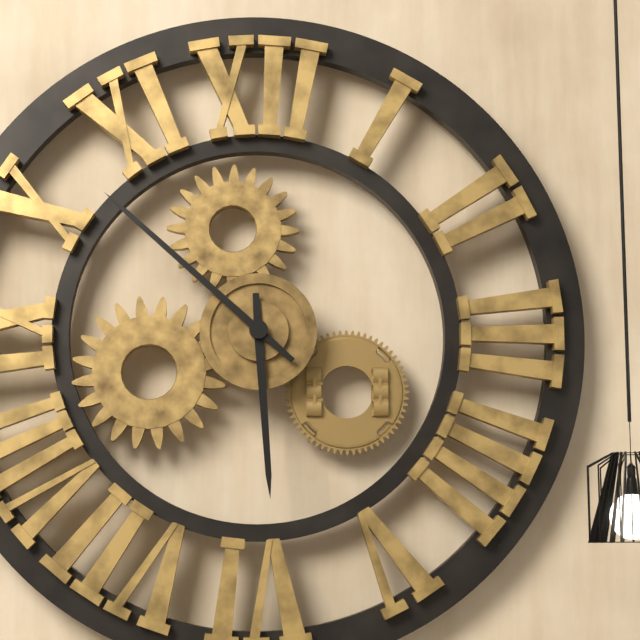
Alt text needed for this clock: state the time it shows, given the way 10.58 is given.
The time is 5.52
